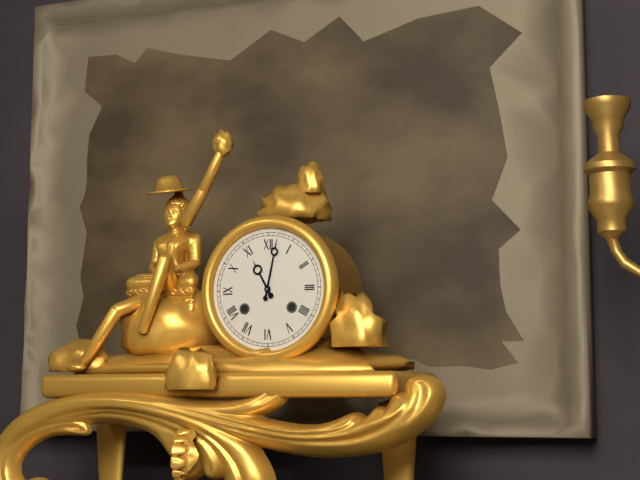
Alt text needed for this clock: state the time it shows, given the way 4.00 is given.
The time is 11.02
